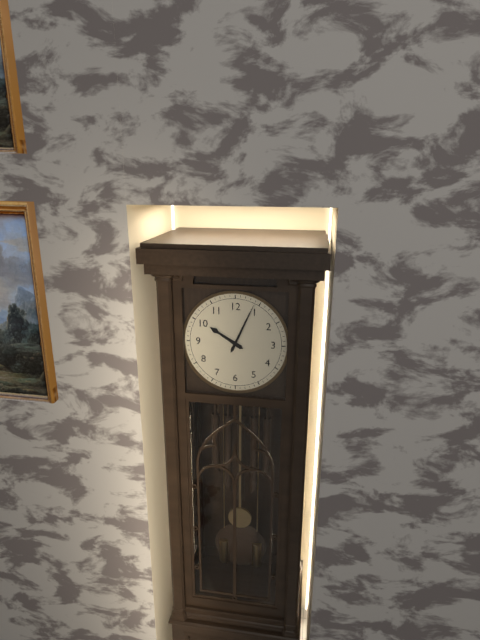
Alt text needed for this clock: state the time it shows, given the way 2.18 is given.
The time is 10.04
